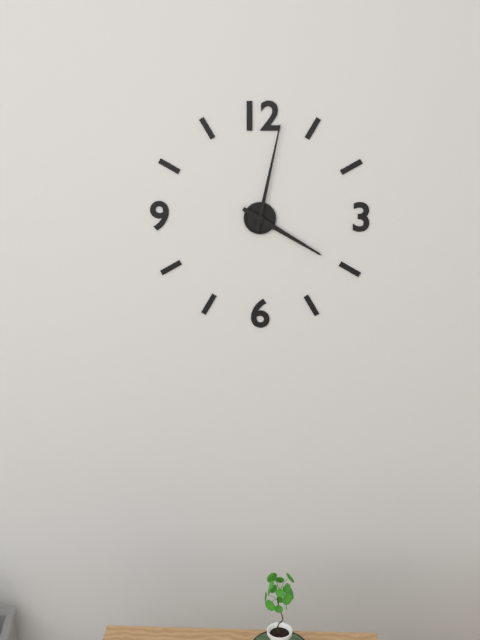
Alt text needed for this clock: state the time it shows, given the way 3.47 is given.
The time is 4.02
